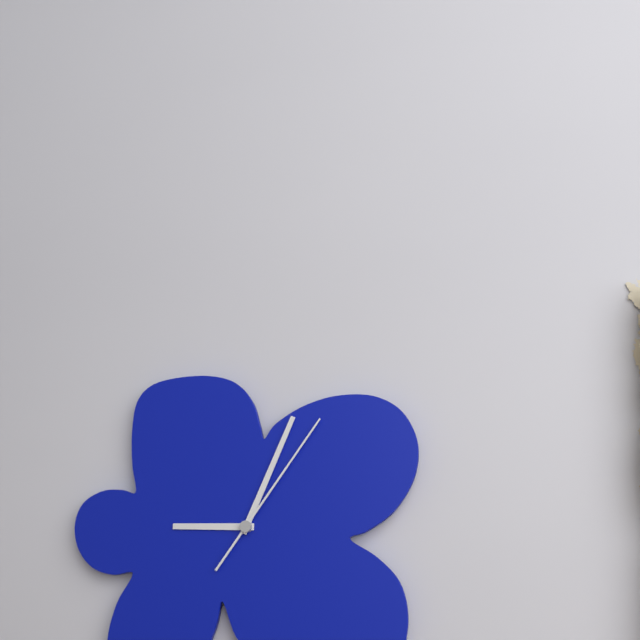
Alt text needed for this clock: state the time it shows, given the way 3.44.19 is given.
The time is 9.04.06
